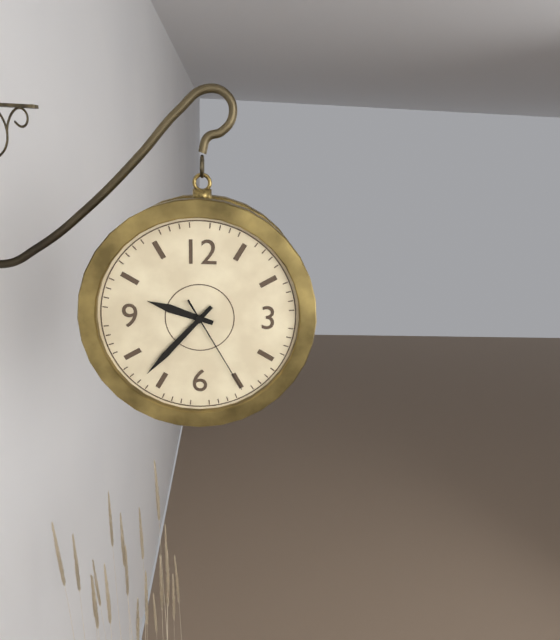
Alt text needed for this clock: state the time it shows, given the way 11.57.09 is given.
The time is 9.37.25
